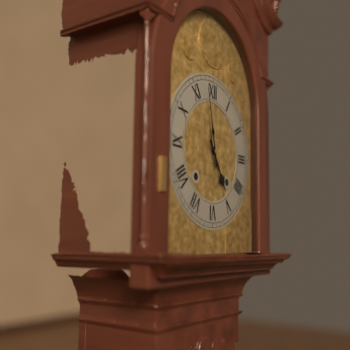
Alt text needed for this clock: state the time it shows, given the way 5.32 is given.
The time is 4.58
